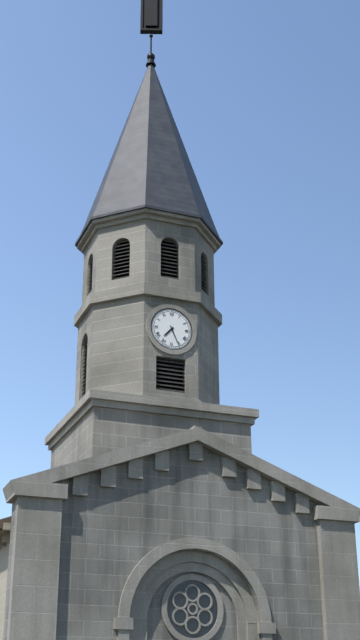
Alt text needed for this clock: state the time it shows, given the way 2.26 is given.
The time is 7.26
